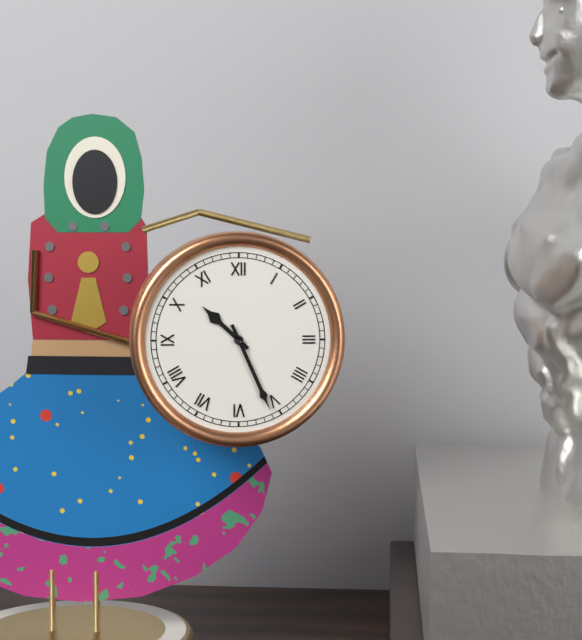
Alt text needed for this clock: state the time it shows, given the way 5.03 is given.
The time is 10.26
